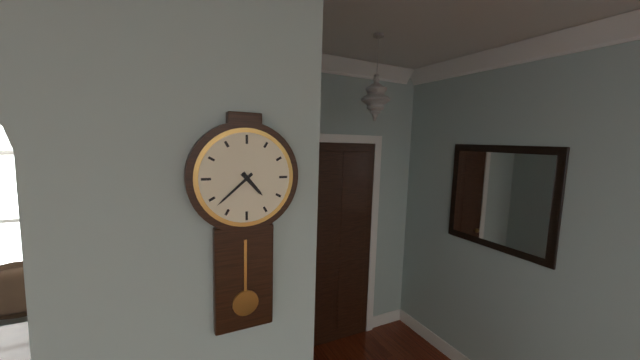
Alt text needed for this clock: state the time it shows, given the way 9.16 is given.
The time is 4.38
